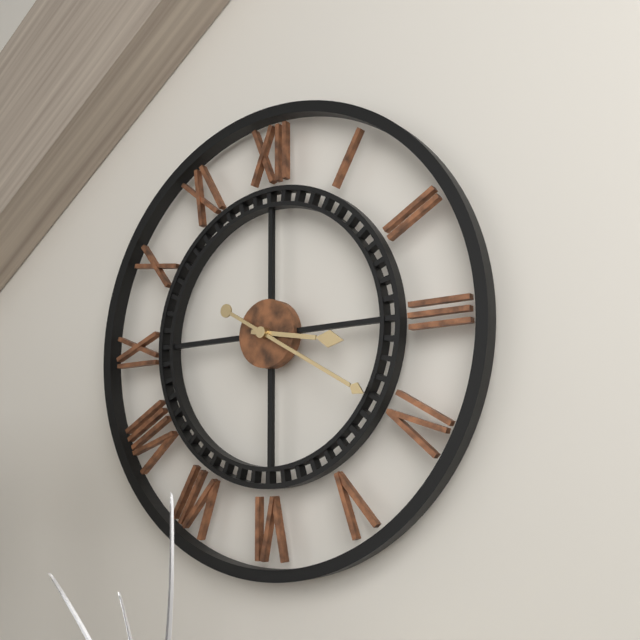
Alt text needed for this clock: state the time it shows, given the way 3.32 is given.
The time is 3.20
